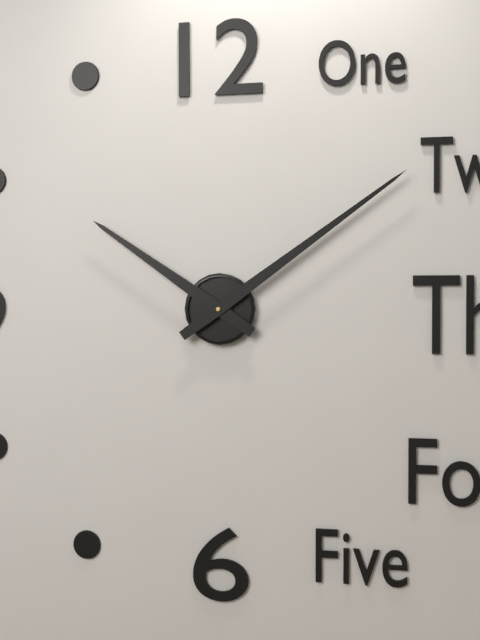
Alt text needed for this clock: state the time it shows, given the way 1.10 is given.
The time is 10.09
